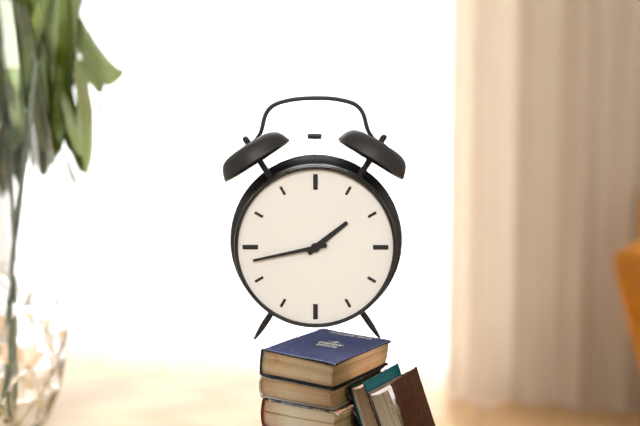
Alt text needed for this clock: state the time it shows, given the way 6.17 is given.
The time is 1.43
